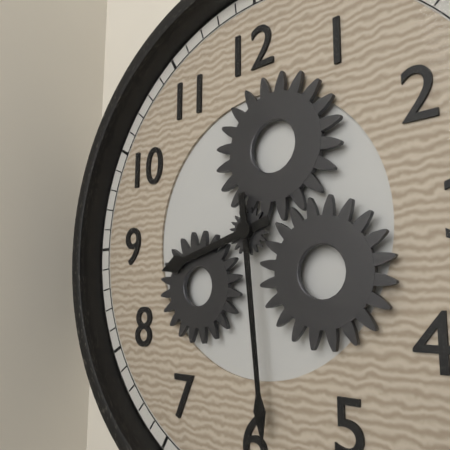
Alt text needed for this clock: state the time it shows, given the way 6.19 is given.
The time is 8.29
